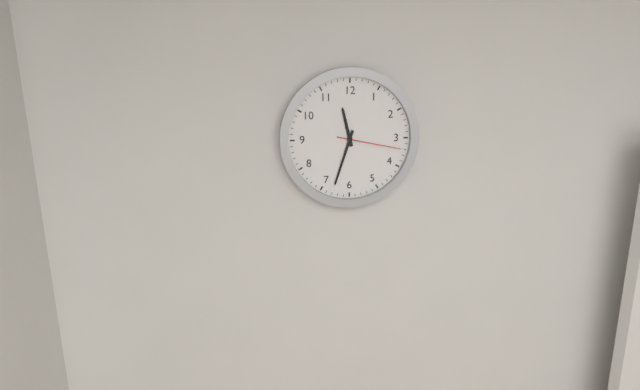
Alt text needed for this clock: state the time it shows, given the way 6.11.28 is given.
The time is 11.33.17
